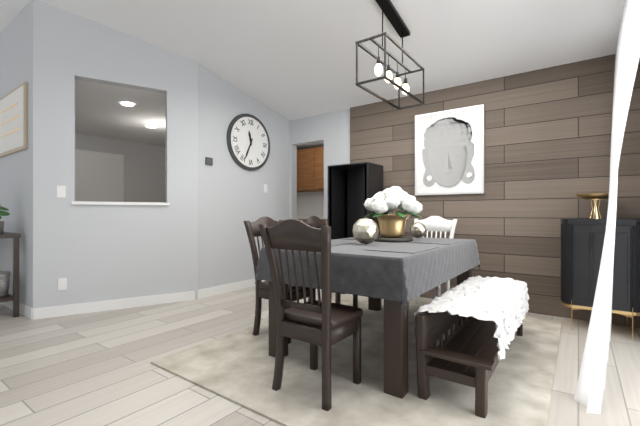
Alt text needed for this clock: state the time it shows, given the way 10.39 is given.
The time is 11.34
